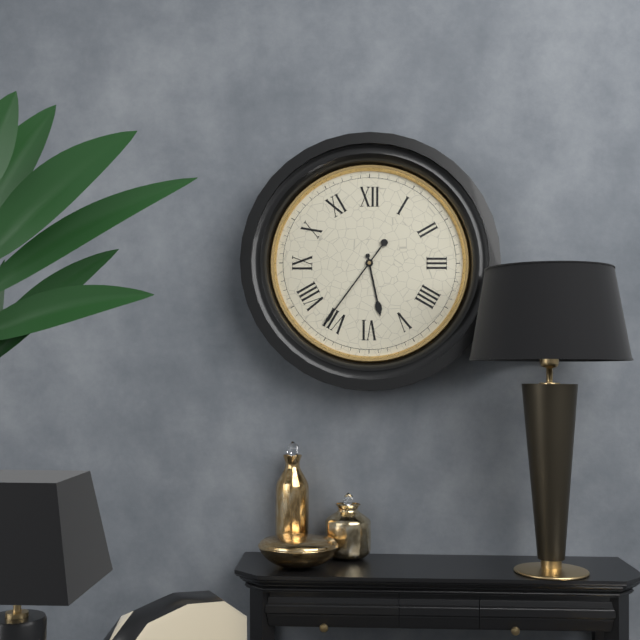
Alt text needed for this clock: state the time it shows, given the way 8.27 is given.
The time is 5.36
